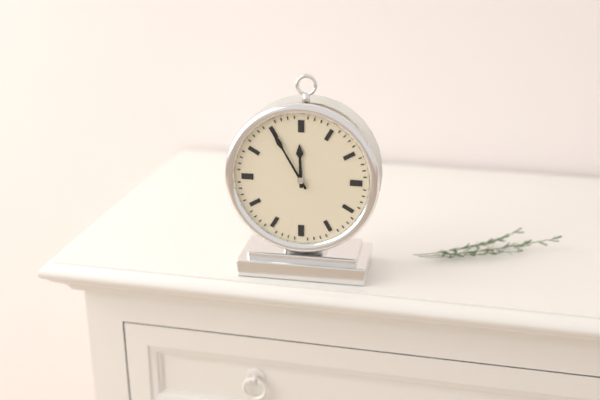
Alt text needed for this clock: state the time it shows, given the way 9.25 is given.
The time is 11.55
